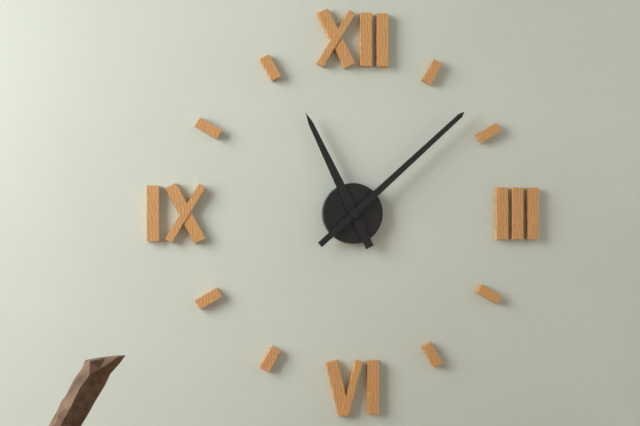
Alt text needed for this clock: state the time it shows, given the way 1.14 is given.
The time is 11.08
